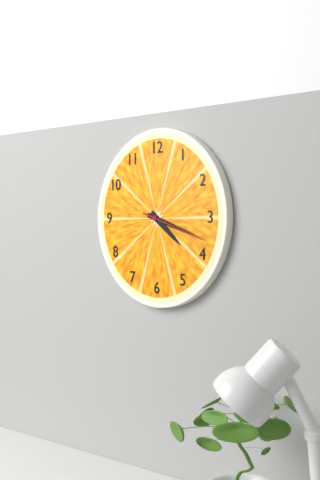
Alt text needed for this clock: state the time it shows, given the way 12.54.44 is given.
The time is 4.18.18
